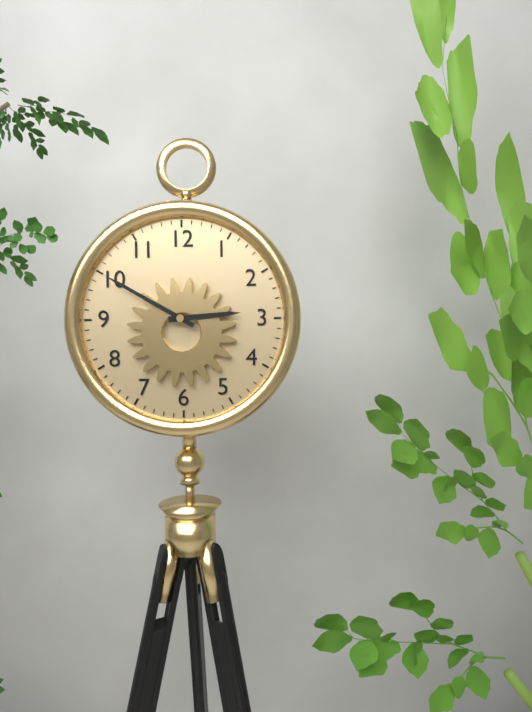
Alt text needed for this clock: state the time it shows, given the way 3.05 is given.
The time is 2.50
